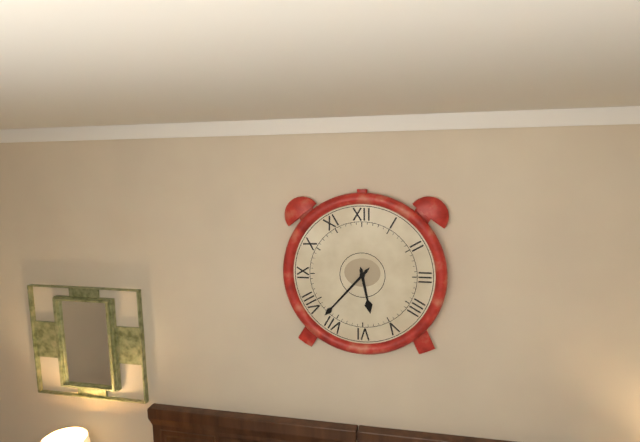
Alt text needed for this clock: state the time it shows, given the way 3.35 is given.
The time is 5.37
